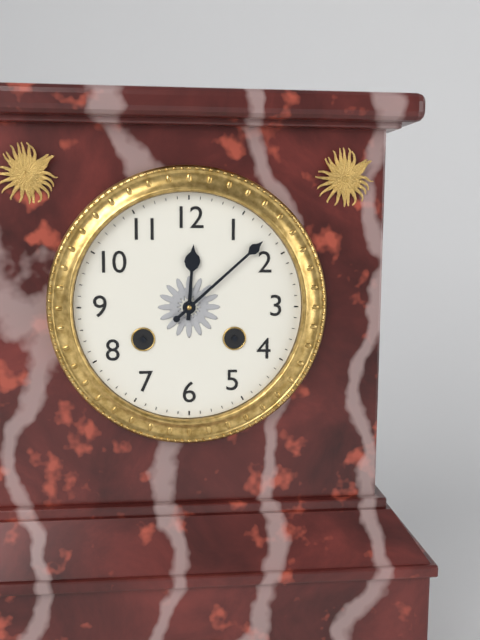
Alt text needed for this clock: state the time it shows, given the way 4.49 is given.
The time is 12.08
